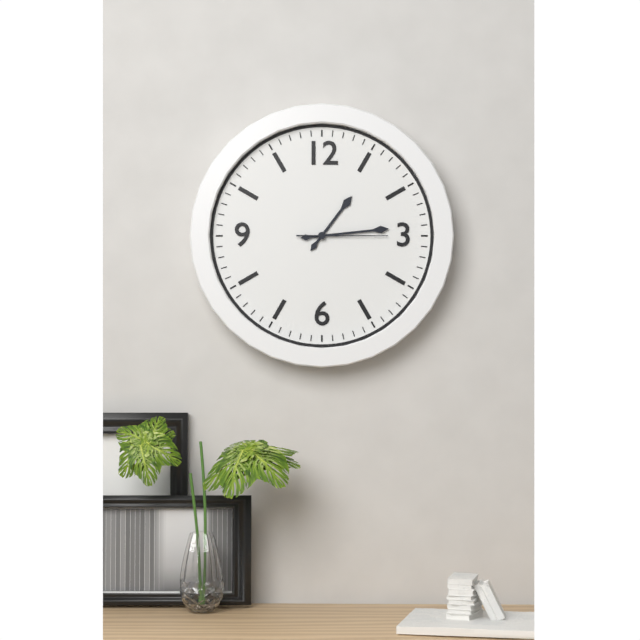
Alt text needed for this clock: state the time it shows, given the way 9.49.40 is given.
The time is 1.14.15
